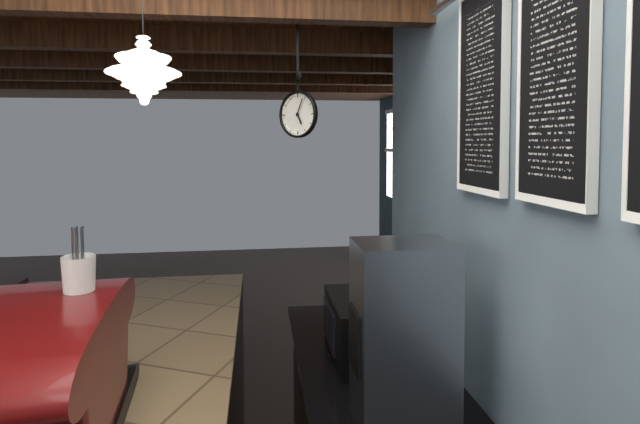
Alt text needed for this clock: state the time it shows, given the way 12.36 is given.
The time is 5.04
